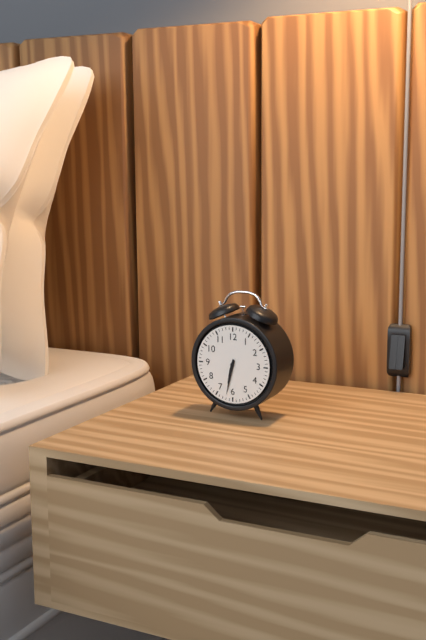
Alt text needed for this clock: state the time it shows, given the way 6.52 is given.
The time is 6.32
